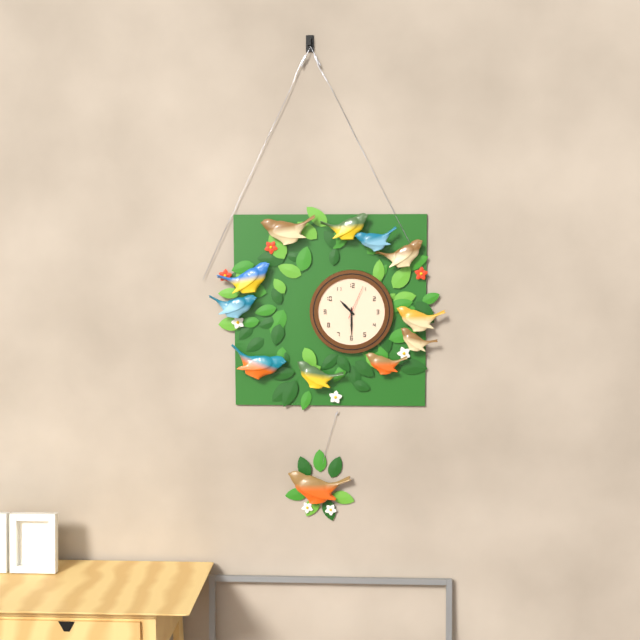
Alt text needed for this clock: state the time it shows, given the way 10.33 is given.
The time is 10.30
